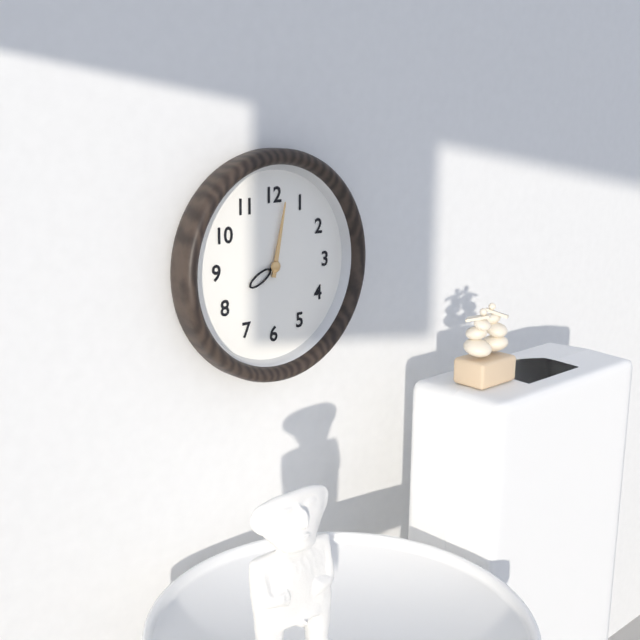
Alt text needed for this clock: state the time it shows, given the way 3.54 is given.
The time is 8.02
